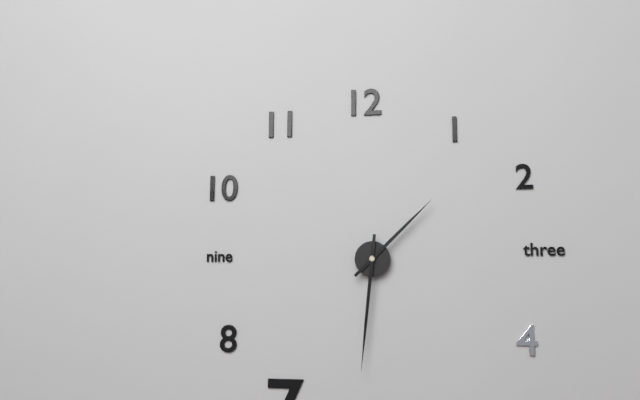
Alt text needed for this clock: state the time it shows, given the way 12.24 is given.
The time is 1.31
